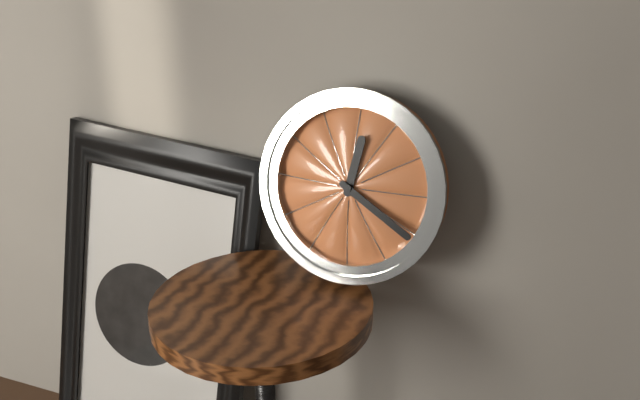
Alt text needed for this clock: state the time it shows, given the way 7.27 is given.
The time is 12.20
